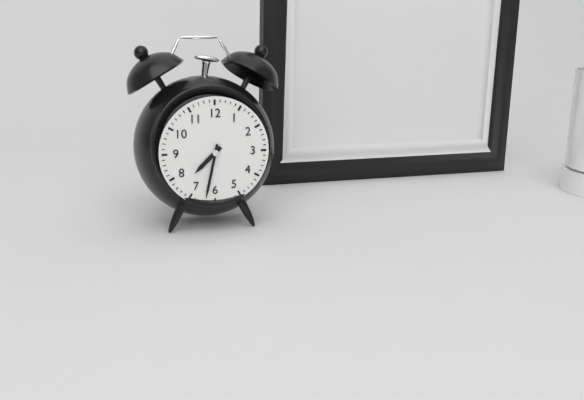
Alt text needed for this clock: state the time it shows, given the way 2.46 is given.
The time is 7.32
